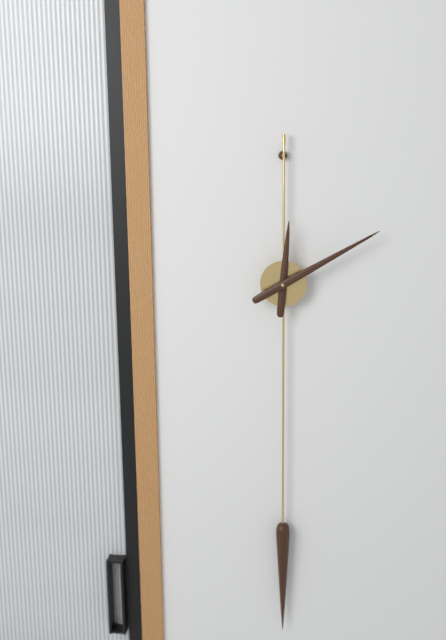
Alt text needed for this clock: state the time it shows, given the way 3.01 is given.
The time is 12.10
